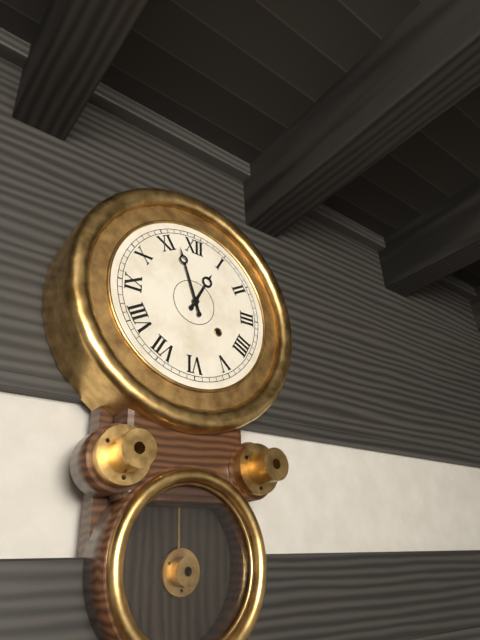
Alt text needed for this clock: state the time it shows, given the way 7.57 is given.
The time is 12.57
